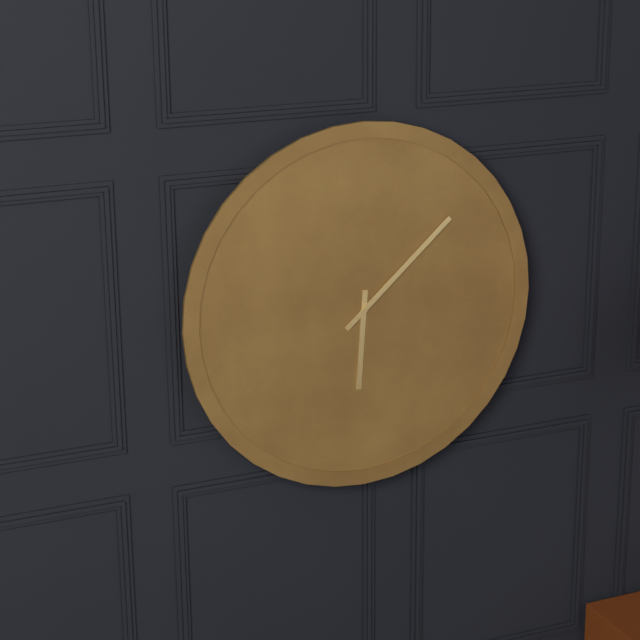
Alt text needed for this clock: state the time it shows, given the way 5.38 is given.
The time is 6.08
